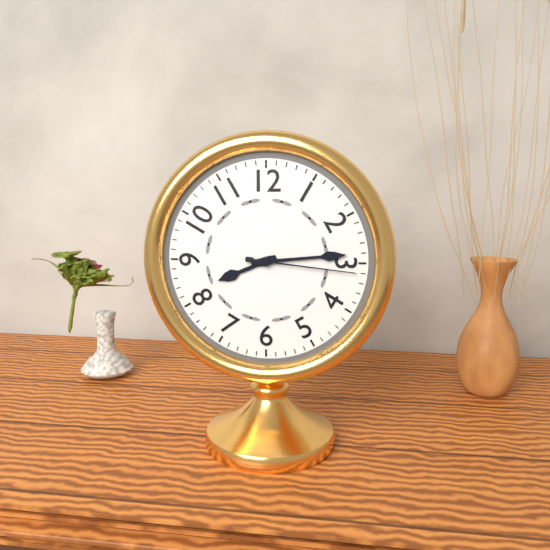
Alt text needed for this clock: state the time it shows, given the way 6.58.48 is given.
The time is 8.14.16
